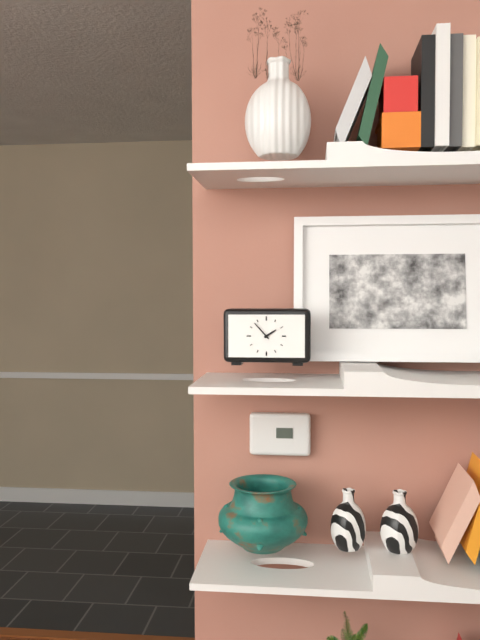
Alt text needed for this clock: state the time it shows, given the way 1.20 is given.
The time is 1.53
